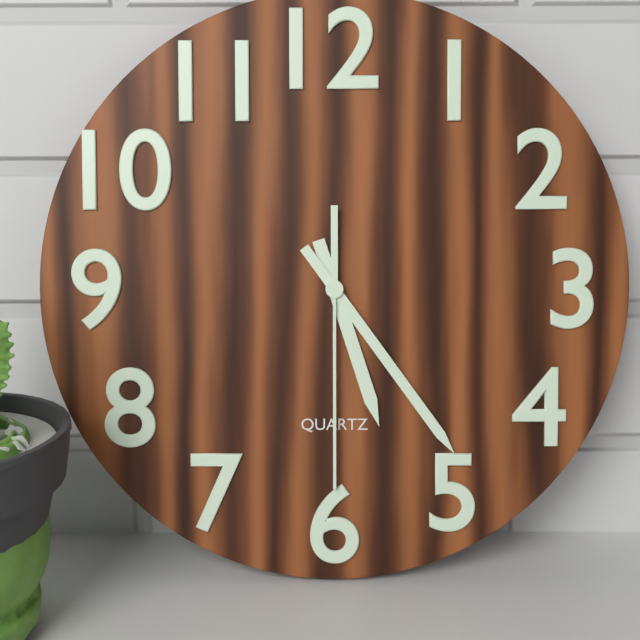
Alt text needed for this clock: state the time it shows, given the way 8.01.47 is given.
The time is 5.24.30
